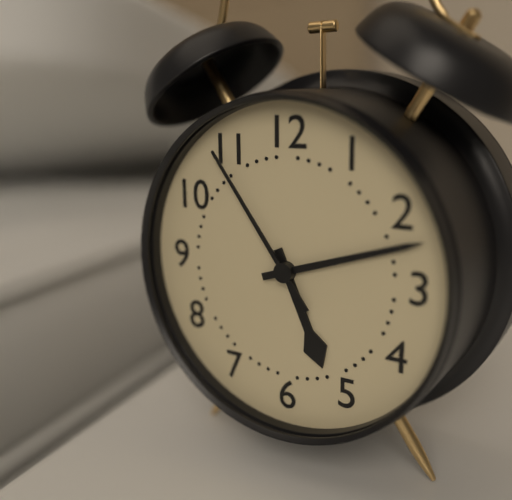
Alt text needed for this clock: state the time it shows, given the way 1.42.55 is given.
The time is 5.12.54
